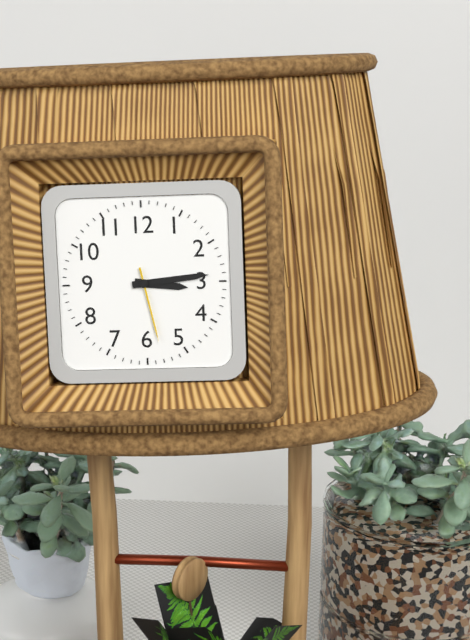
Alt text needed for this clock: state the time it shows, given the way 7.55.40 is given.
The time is 3.14.28
